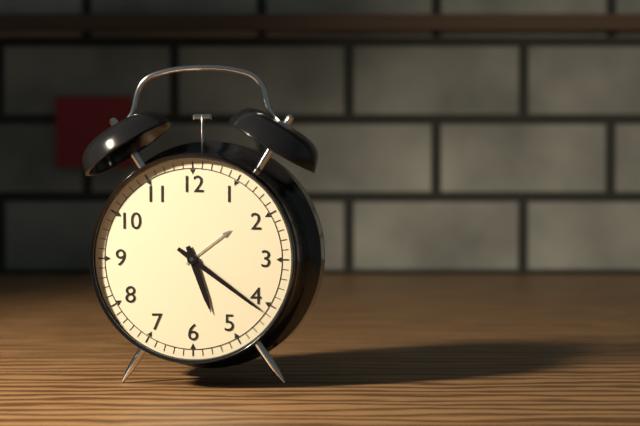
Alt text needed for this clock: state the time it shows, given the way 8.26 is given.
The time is 5.21
